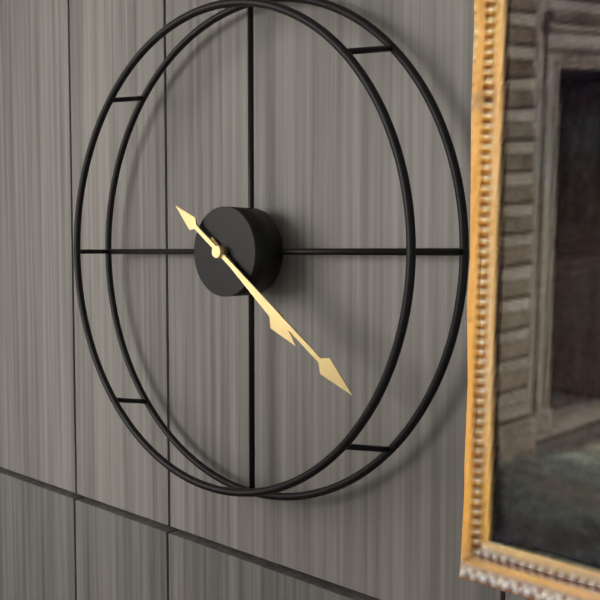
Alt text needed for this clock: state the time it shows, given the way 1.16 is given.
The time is 4.21
